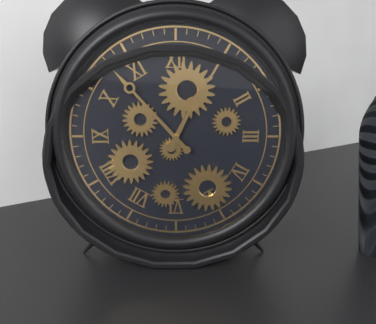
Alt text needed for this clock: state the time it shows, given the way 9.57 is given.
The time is 12.53
